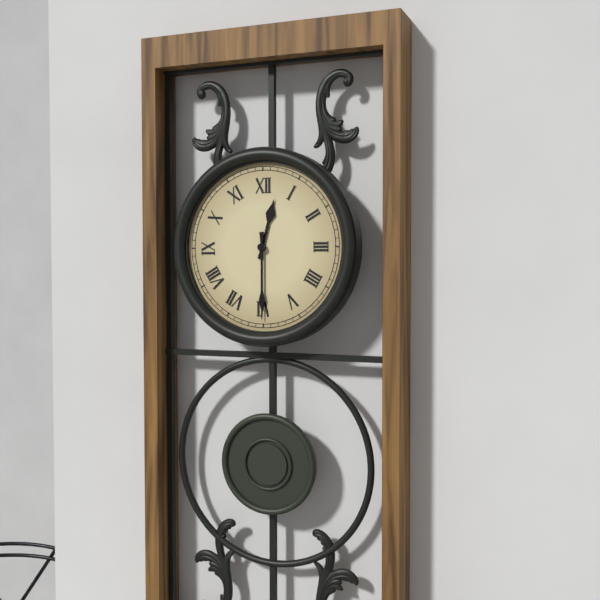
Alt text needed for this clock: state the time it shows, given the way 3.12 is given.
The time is 12.30
